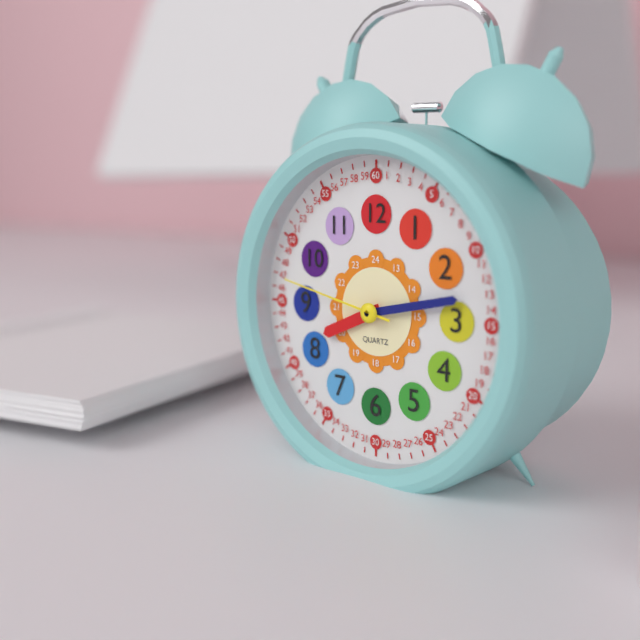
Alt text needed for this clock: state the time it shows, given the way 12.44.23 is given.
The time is 8.13.47
